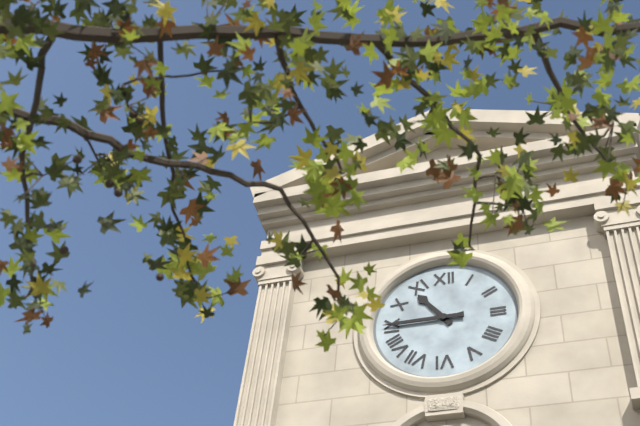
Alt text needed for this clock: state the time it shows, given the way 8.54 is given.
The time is 10.45
